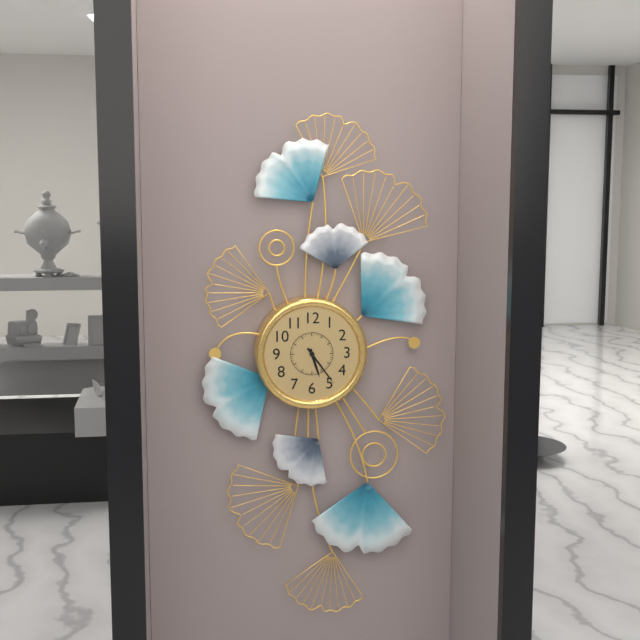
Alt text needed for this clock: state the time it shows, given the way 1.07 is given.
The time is 5.24
